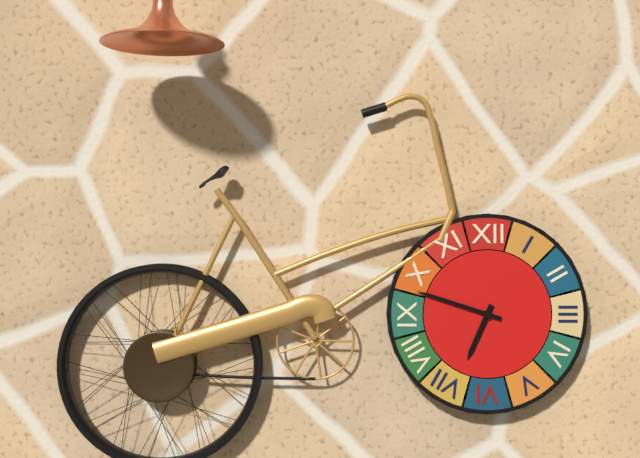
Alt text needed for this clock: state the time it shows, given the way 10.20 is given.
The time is 6.48
